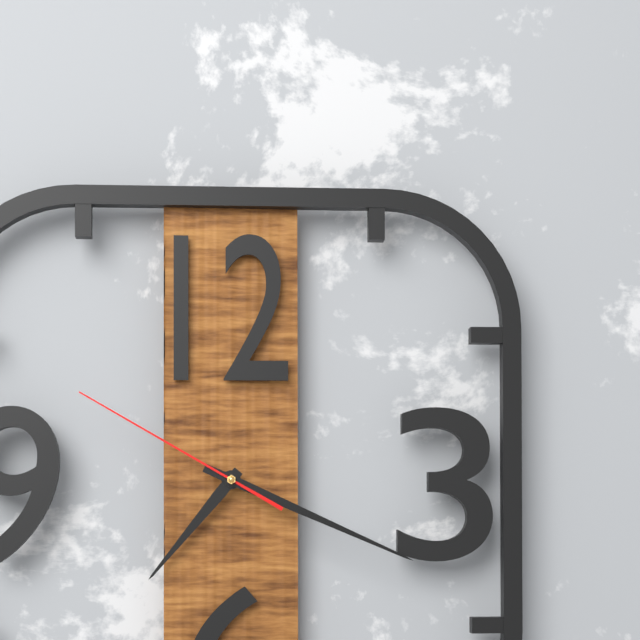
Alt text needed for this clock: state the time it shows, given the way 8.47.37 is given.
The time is 7.19.50
